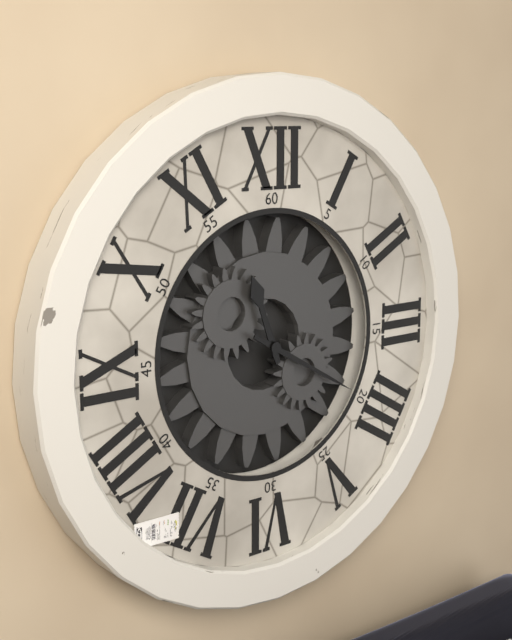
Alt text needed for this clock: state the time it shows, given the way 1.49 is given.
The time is 11.20
